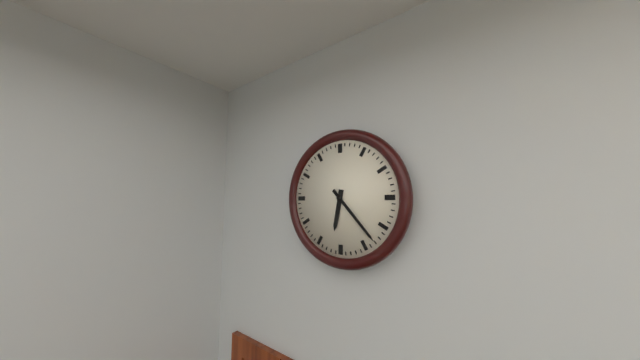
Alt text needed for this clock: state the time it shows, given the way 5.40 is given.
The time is 6.23
